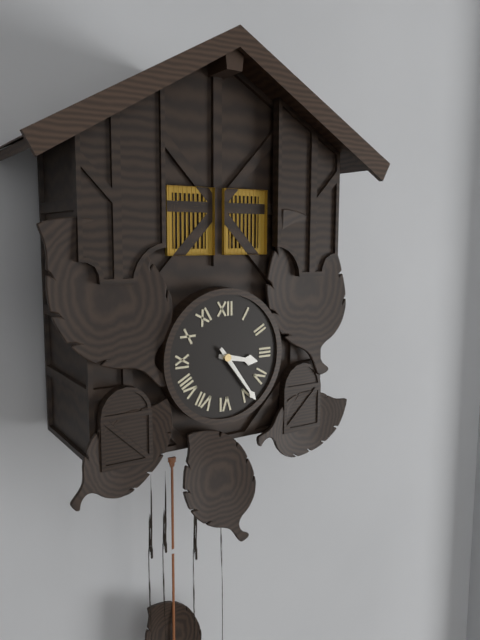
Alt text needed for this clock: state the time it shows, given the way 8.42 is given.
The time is 3.24
